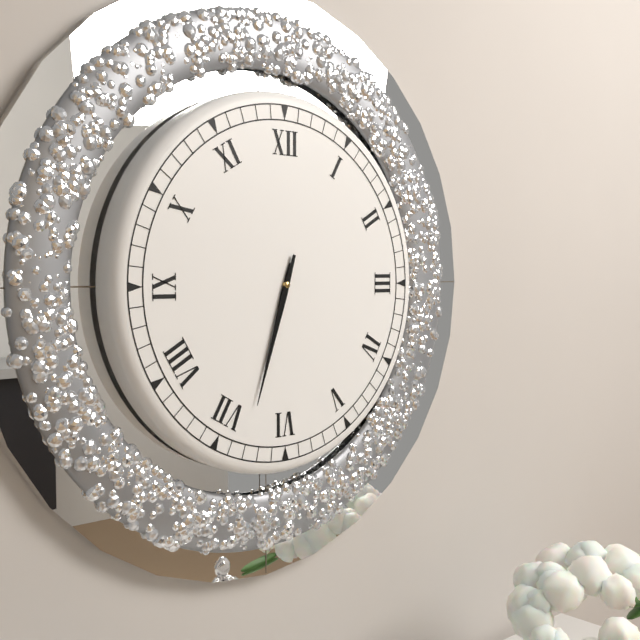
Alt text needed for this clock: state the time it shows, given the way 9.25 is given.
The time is 6.33
